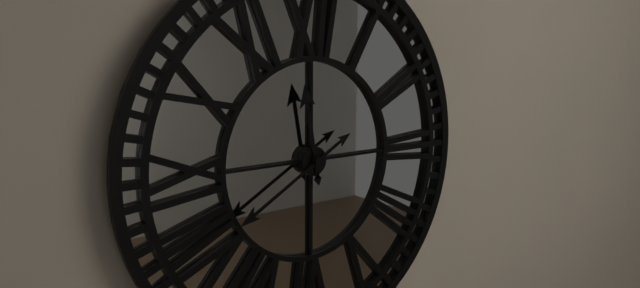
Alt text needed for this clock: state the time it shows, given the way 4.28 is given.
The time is 11.40
